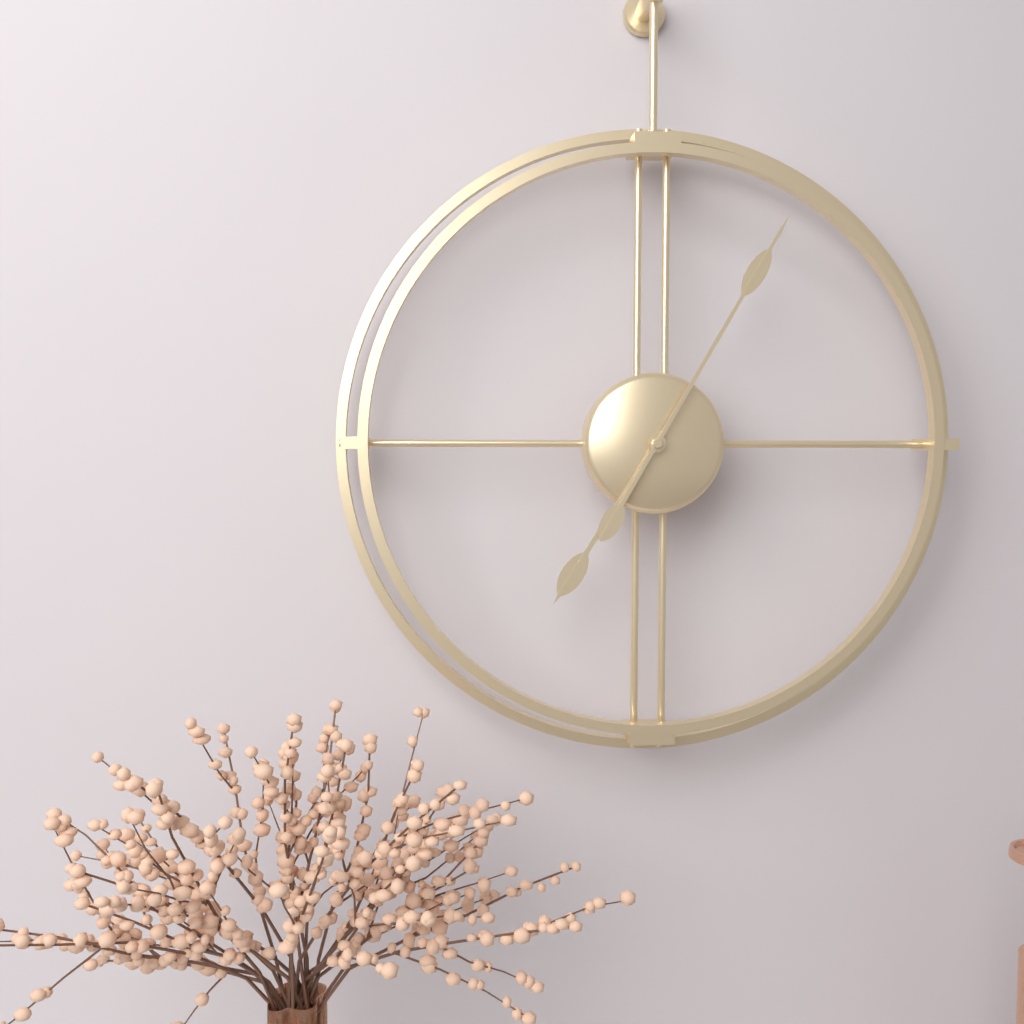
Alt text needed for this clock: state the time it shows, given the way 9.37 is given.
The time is 7.05
